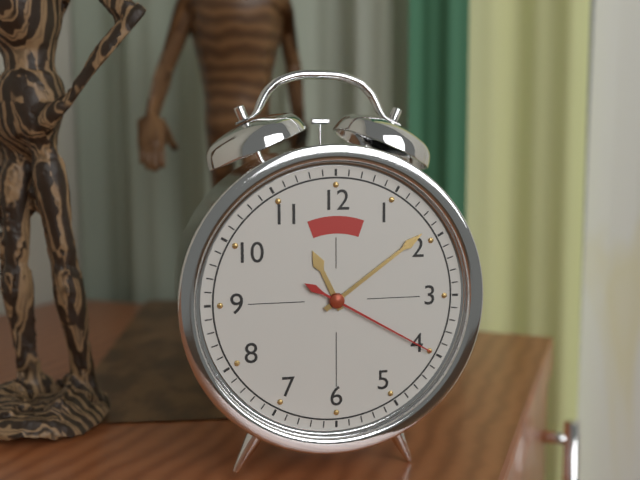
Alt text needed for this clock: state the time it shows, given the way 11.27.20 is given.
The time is 11.09.20
